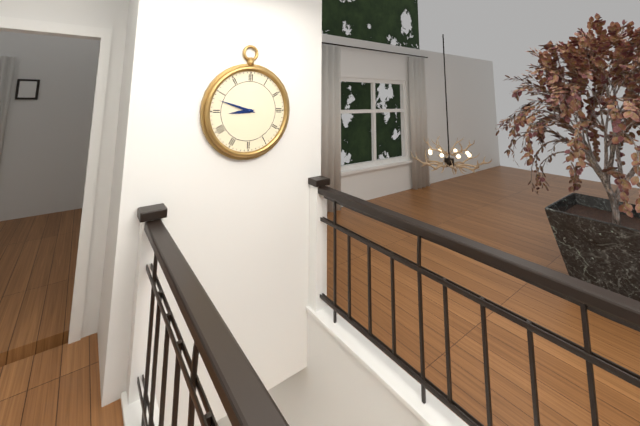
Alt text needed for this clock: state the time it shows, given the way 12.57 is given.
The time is 8.48
